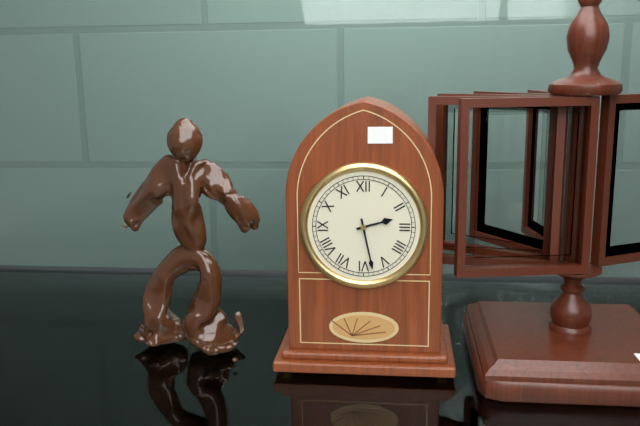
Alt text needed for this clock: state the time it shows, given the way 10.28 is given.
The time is 2.28
